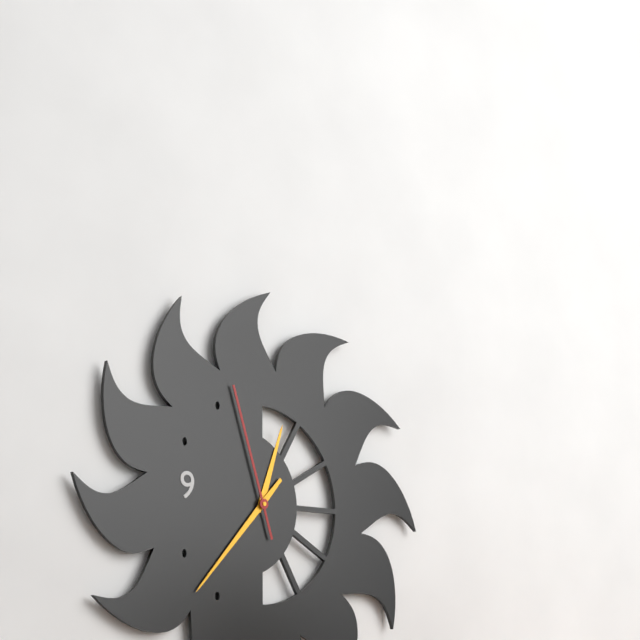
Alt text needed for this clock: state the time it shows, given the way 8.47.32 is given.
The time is 12.37.57
